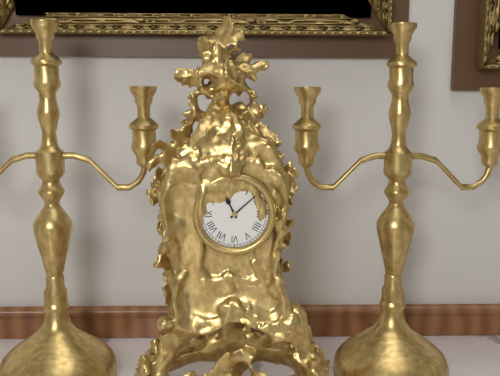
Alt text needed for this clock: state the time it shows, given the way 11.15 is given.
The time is 11.08
